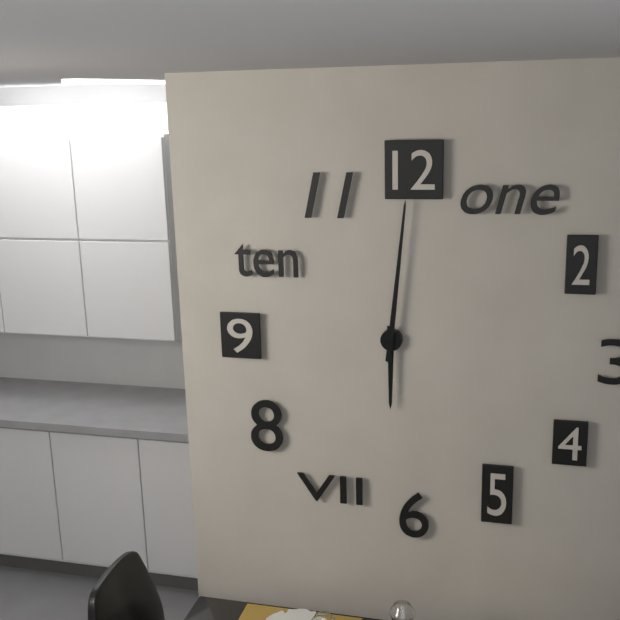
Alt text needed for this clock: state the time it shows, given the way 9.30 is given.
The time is 6.01
